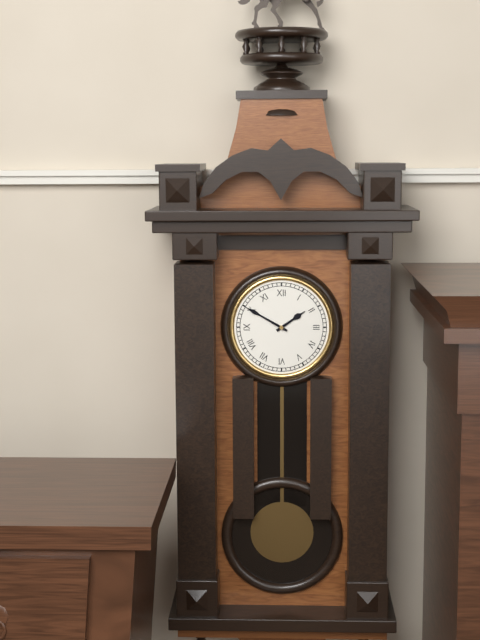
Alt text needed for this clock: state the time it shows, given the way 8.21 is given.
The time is 1.50
